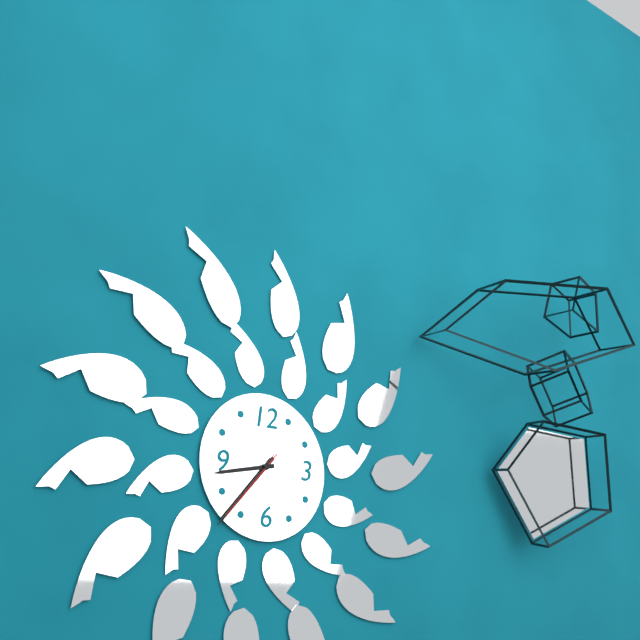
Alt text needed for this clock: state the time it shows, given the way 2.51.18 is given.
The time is 8.37.37
